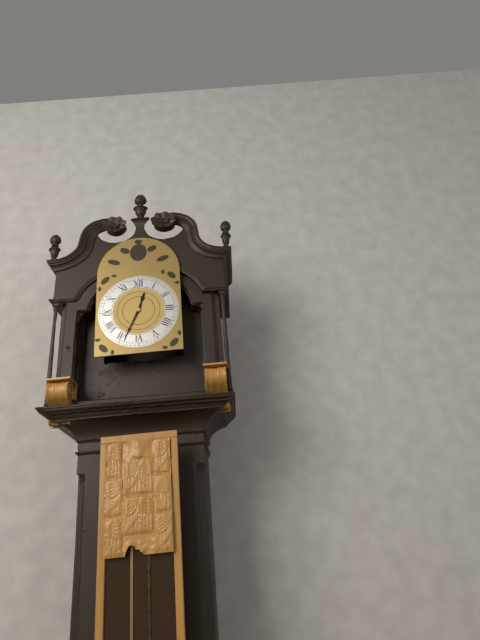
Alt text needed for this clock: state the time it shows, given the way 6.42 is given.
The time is 12.34
